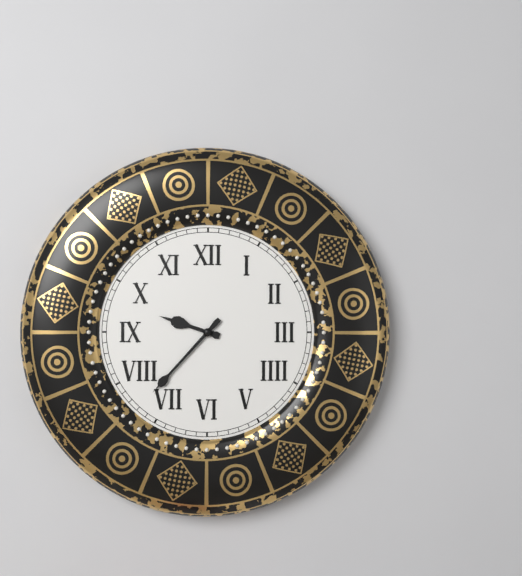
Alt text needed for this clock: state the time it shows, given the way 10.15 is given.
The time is 9.37
